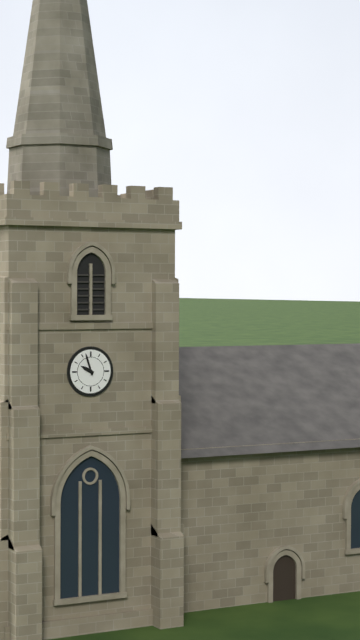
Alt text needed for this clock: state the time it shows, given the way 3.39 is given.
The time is 9.57
